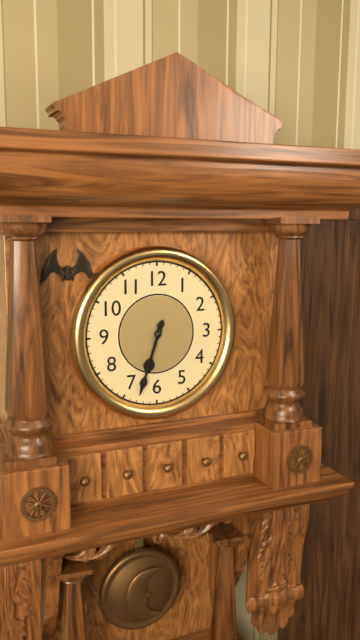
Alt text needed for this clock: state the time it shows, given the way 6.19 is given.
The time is 6.33
